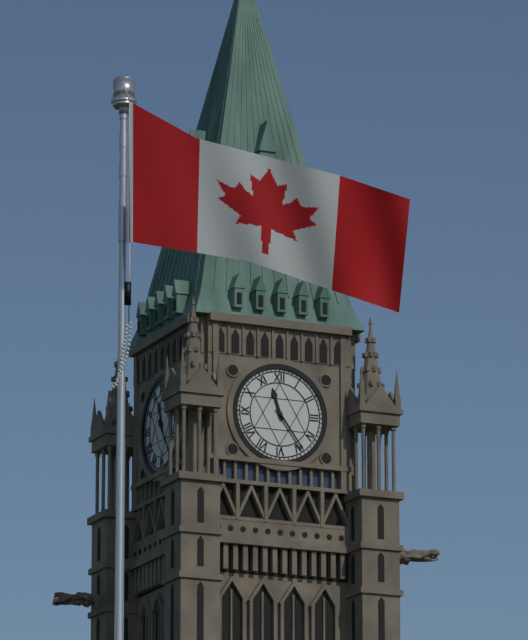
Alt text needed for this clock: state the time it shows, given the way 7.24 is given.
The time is 11.24
